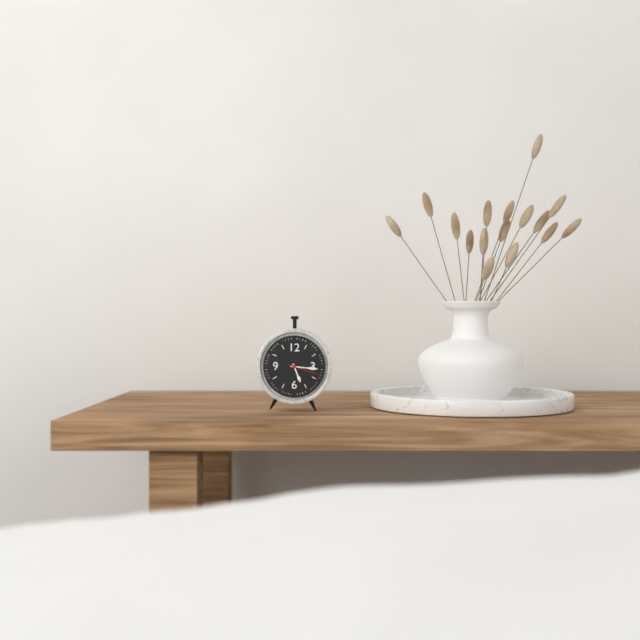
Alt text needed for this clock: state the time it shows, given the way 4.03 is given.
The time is 5.16
